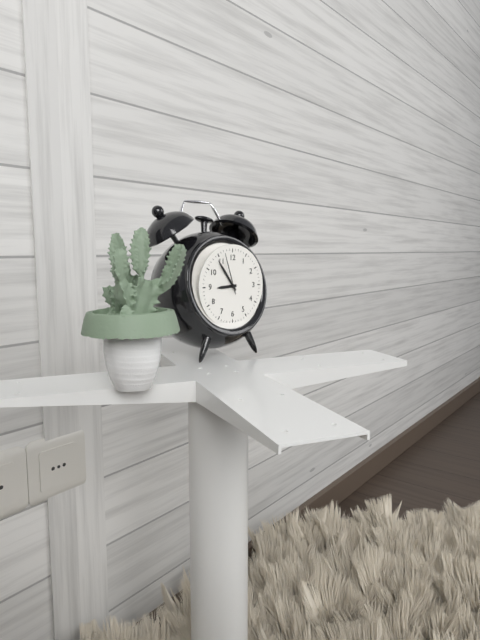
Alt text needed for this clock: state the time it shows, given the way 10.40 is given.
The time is 8.54
